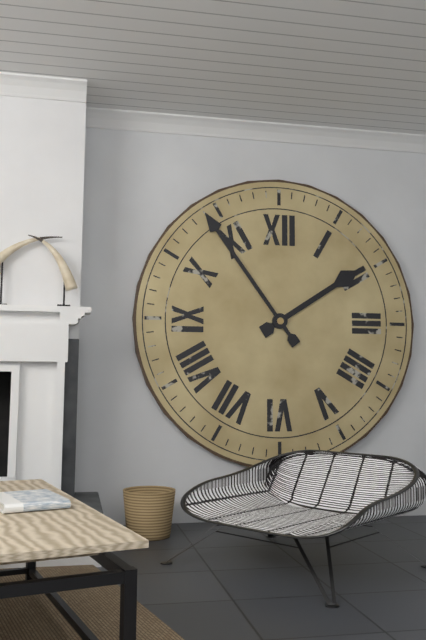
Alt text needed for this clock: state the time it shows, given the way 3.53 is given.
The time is 1.54
